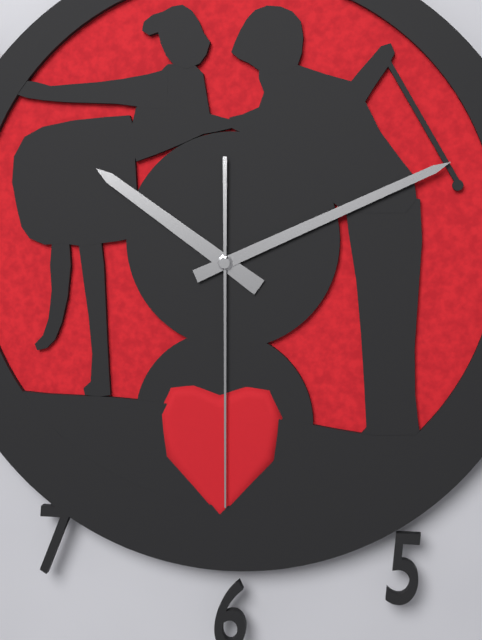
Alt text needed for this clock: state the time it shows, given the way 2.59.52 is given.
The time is 10.11.30
